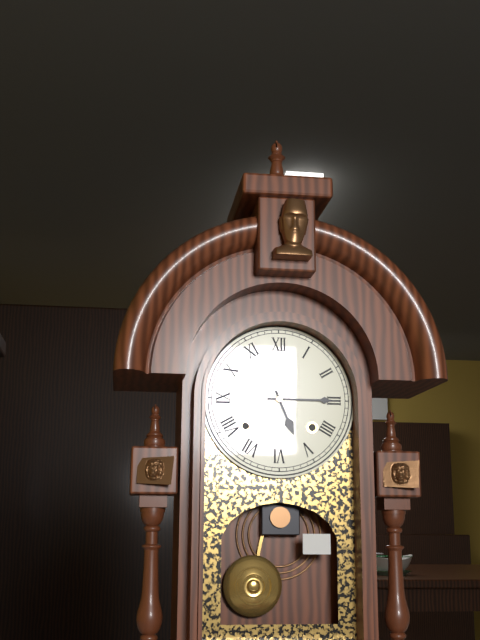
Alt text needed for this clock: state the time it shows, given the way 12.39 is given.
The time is 5.15
